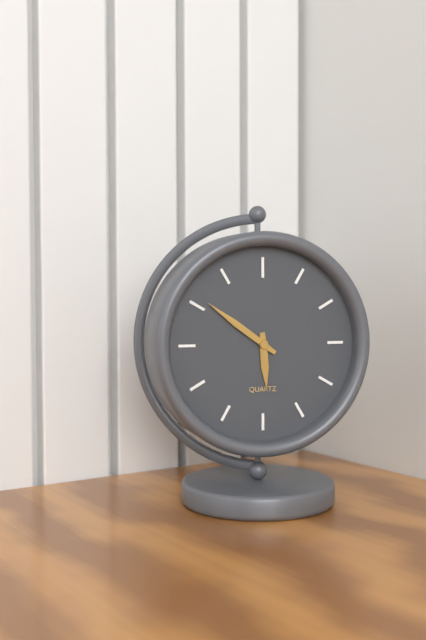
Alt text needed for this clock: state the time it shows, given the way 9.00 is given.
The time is 5.51
